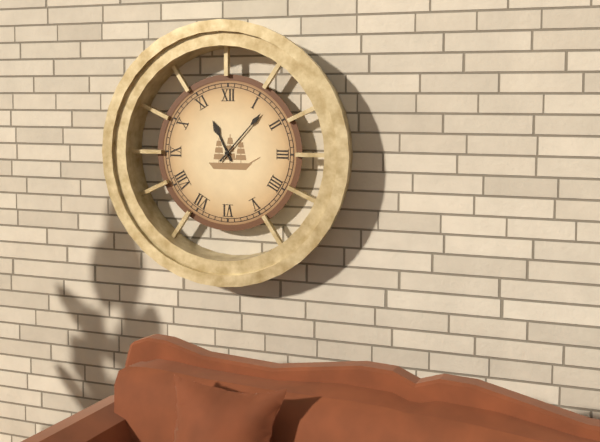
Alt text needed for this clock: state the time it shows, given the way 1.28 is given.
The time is 11.07
